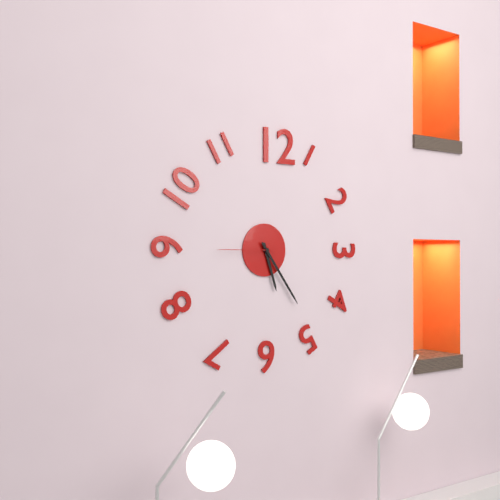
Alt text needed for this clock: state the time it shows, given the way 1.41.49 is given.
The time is 5.24.45
